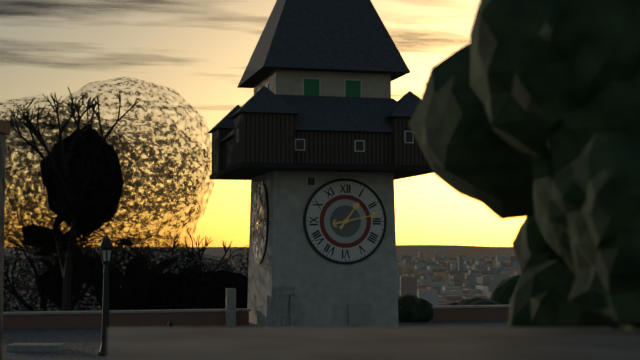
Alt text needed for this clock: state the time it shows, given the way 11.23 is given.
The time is 1.13
